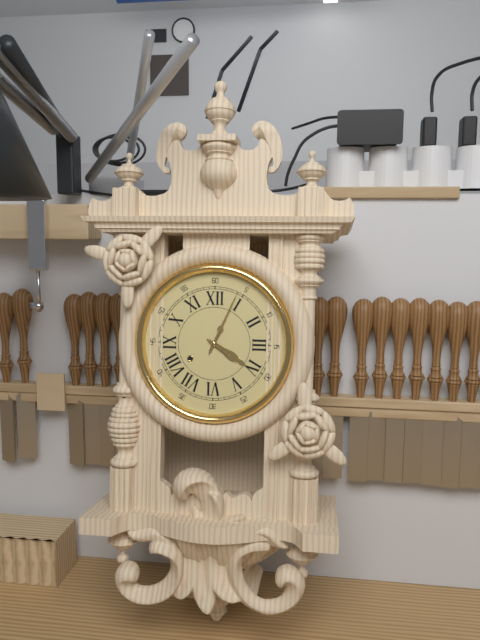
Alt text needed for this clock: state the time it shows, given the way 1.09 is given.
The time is 4.04
